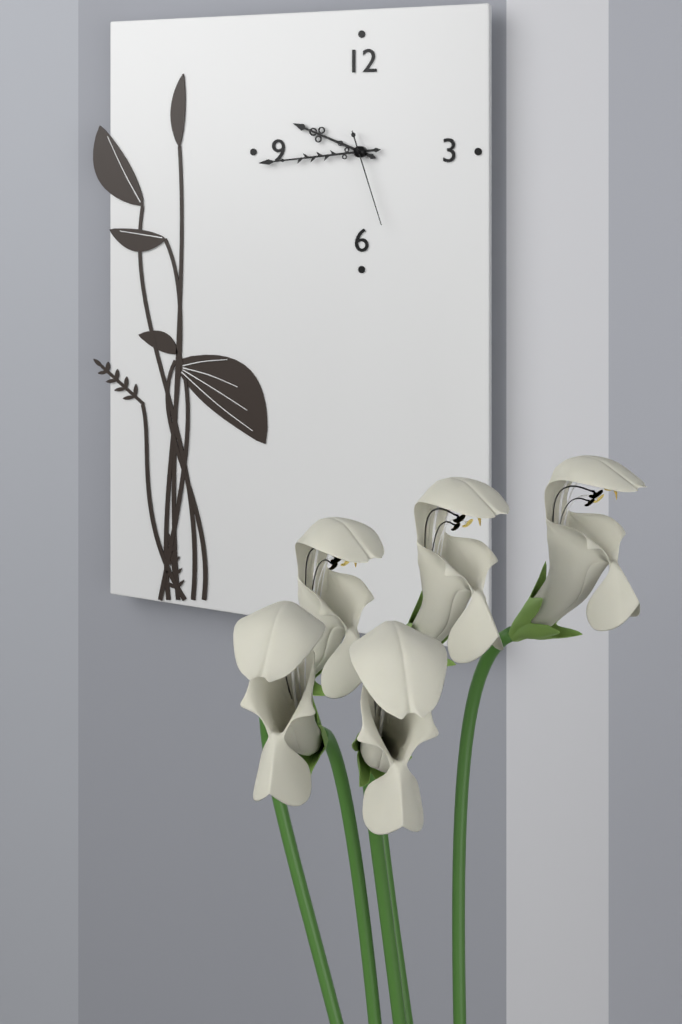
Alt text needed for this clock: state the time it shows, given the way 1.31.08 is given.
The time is 9.44.27
